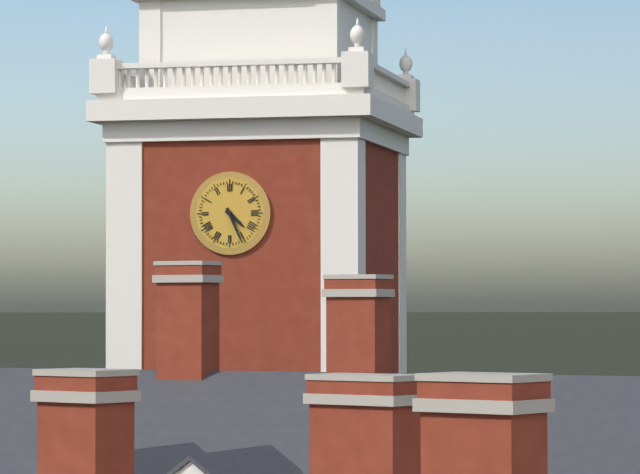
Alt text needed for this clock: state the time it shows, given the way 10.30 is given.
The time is 4.26
